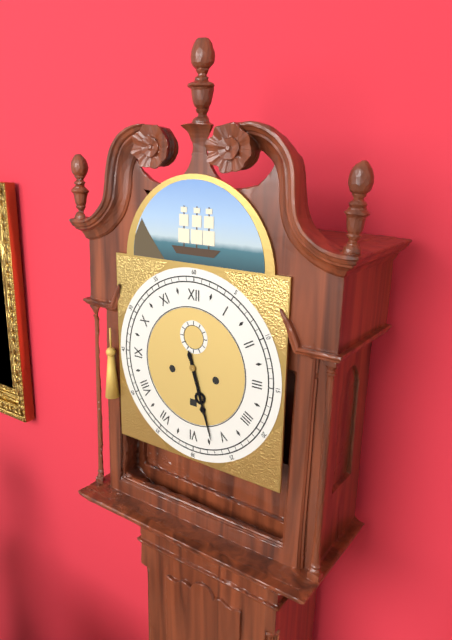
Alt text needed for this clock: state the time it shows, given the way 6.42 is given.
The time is 5.27
